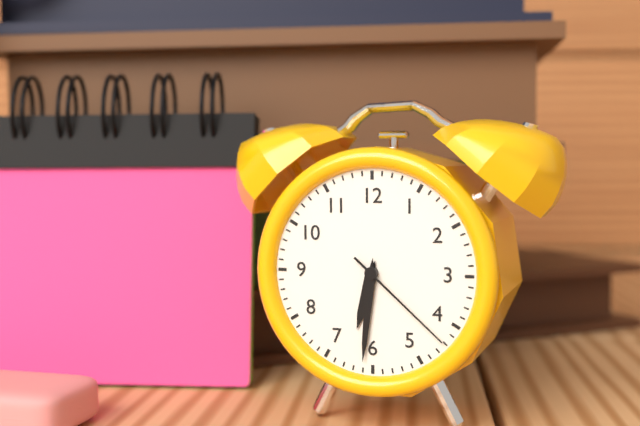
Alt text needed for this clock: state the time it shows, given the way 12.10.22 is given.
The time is 6.31.22
